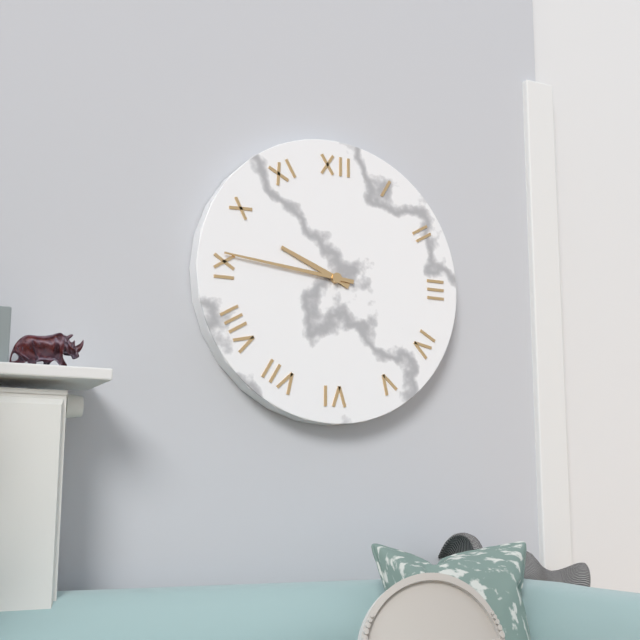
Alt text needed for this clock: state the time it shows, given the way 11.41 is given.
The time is 9.46
